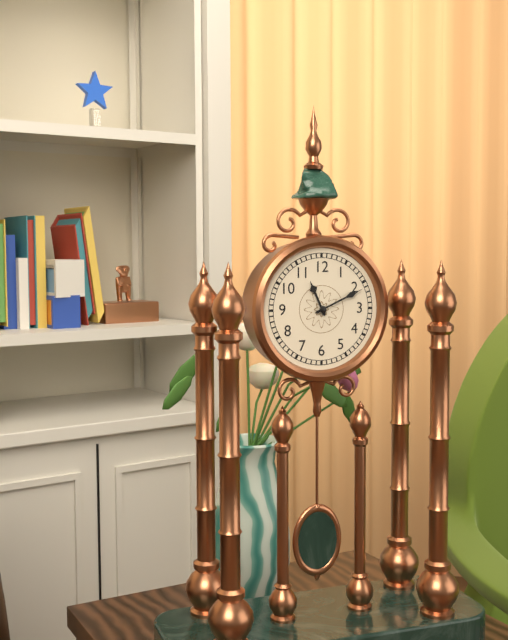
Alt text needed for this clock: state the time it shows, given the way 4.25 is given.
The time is 11.11
